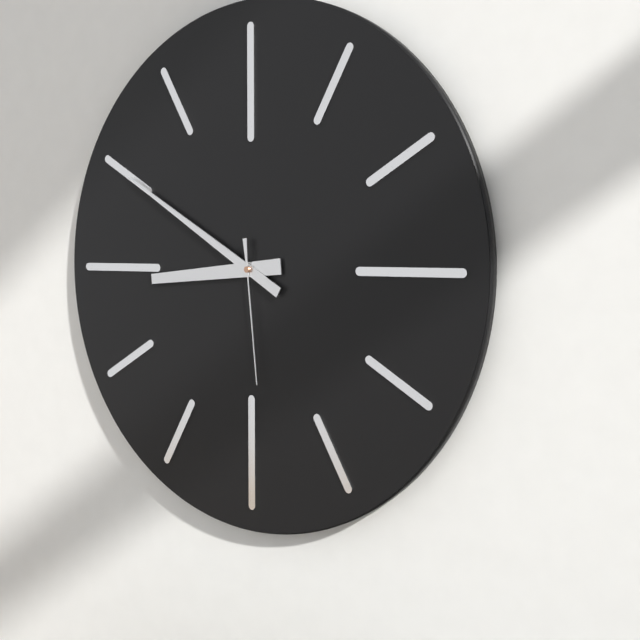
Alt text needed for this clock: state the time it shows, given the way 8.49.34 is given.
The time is 8.50.29
